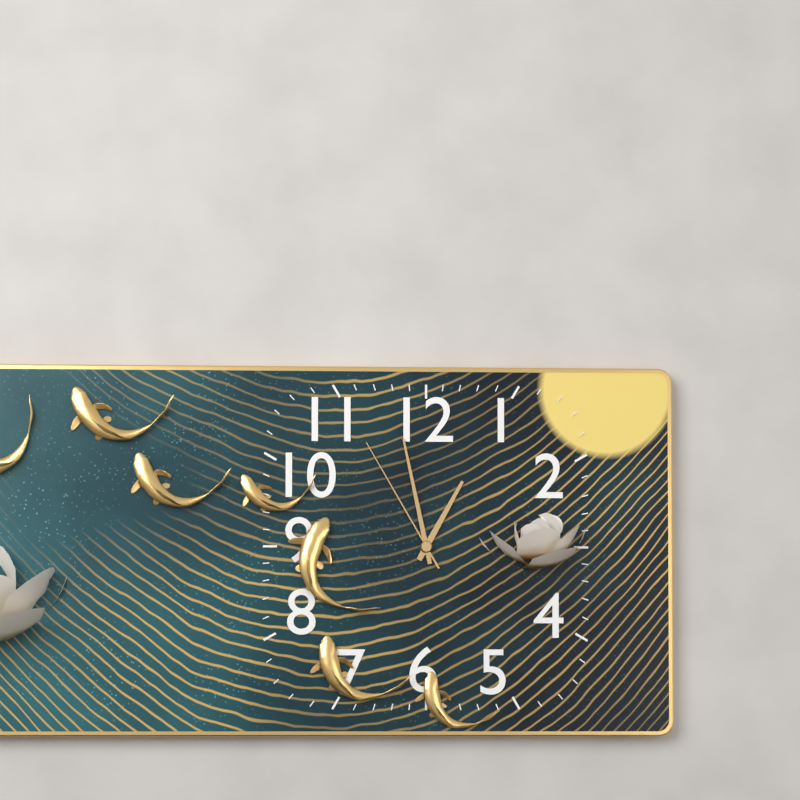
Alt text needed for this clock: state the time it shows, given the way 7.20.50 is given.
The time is 12.58.55
